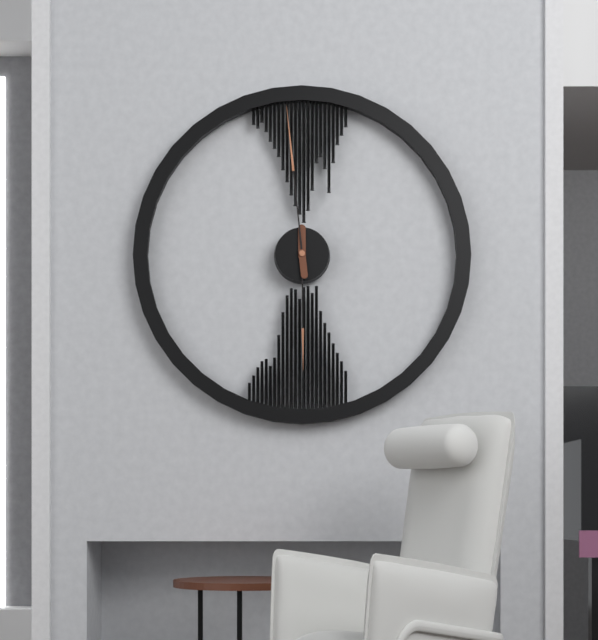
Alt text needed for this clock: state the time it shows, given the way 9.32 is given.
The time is 5.59
